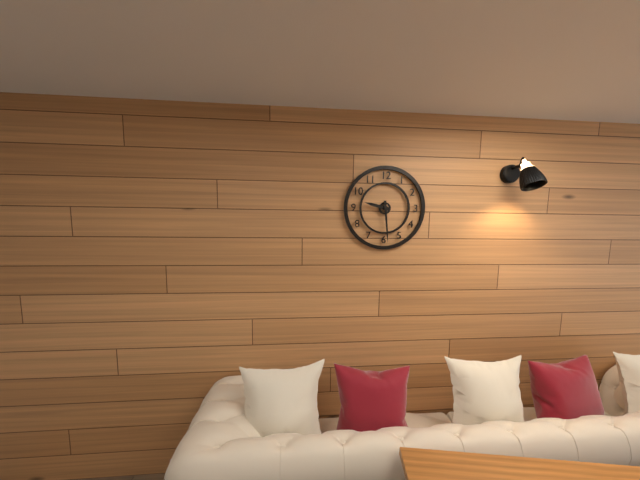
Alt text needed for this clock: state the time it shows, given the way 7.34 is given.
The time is 9.29
